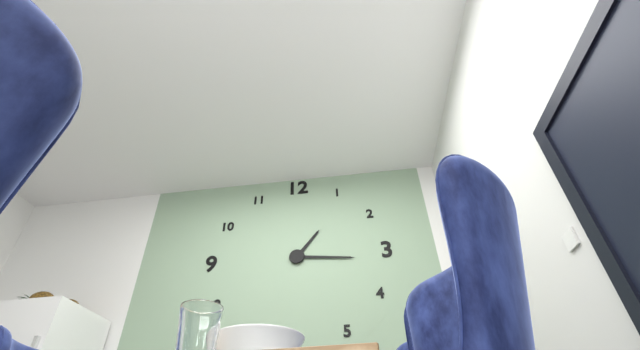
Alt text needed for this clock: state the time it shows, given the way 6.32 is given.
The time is 1.16
